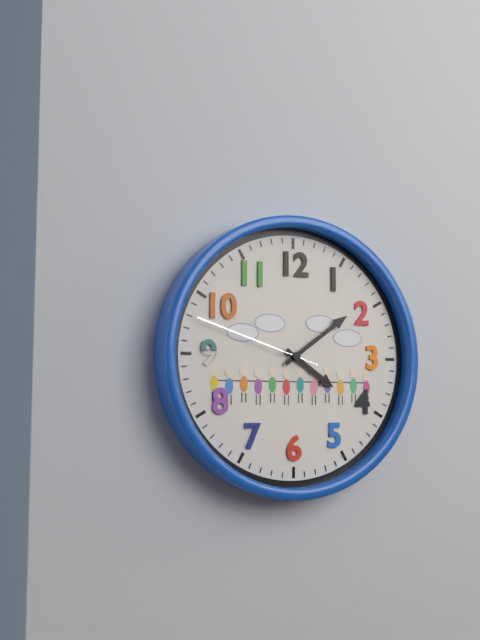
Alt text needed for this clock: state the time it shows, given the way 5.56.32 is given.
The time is 4.09.48
